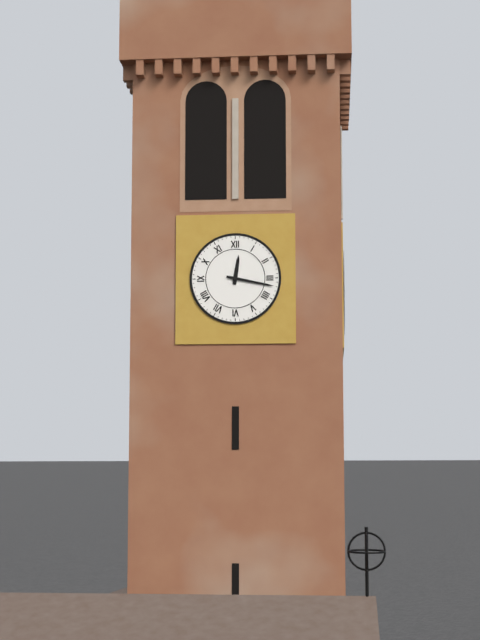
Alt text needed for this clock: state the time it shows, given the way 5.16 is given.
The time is 12.17
